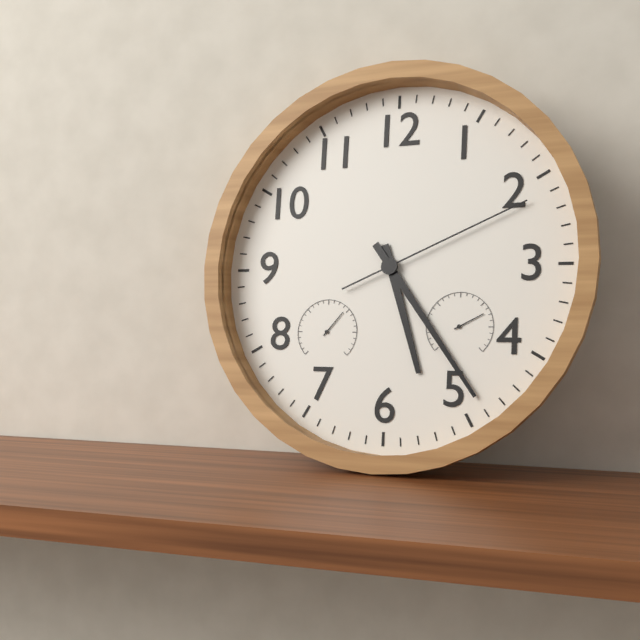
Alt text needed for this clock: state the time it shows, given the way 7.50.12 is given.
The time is 5.24.11
